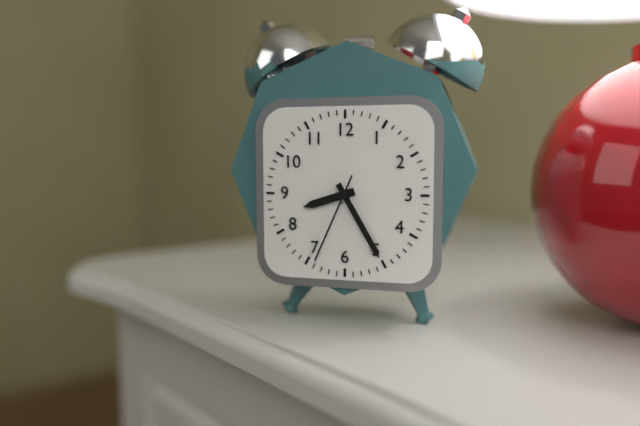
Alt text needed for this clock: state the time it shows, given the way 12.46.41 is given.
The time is 8.25.34
